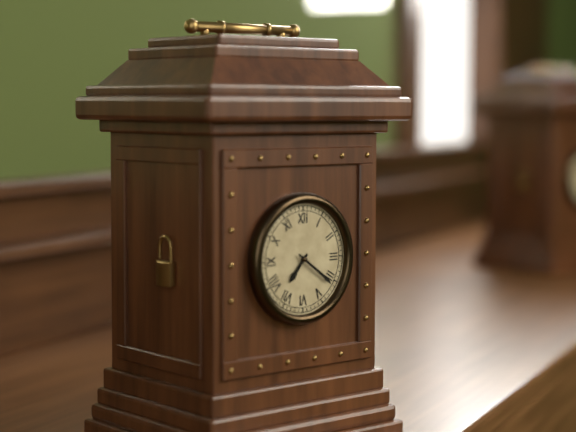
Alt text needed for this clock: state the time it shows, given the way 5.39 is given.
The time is 7.21
